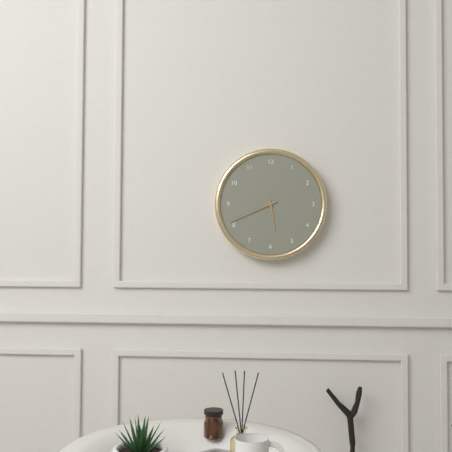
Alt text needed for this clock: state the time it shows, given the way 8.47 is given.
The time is 5.41
